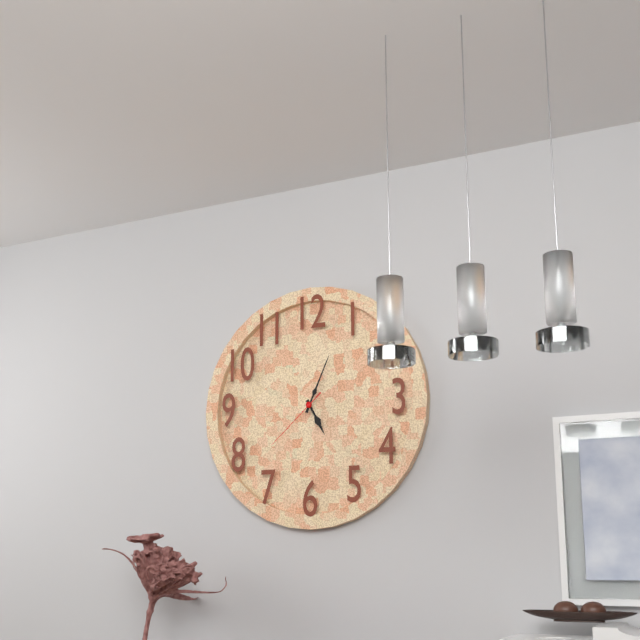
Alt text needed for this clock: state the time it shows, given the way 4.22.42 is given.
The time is 5.04.38
